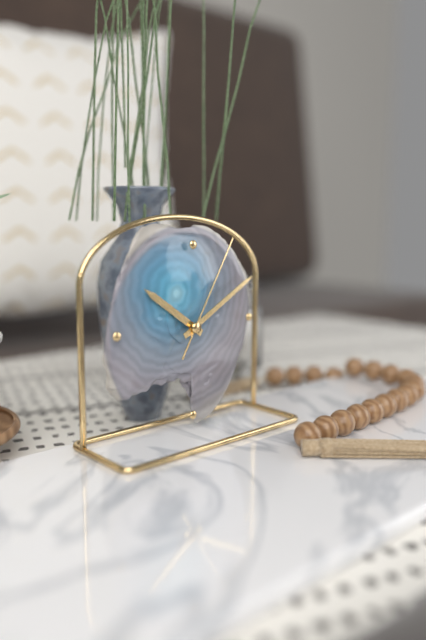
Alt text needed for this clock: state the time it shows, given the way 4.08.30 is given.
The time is 10.10.05
